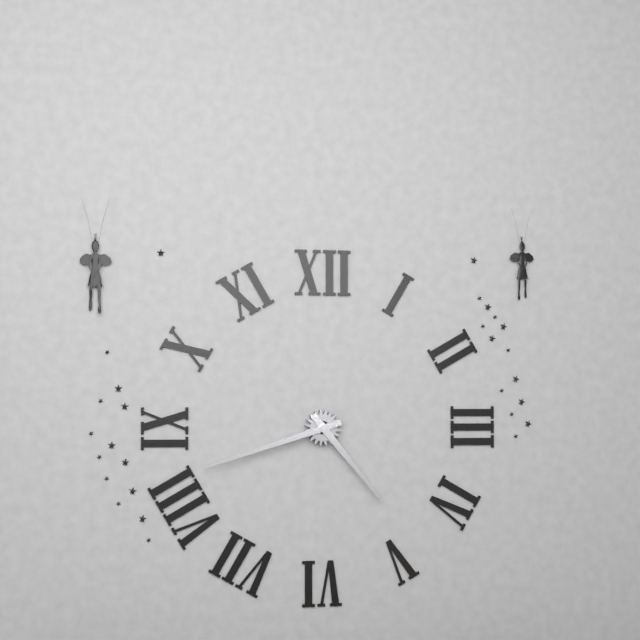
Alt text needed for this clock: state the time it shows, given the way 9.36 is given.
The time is 4.42
